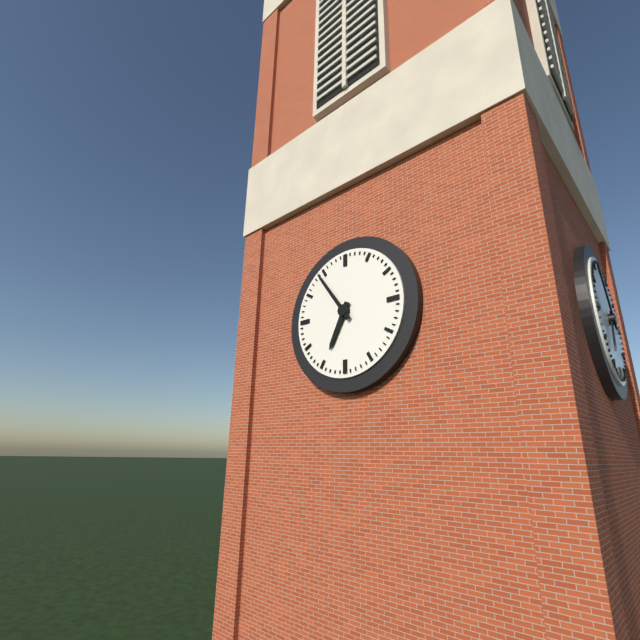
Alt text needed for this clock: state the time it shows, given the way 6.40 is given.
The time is 6.54
